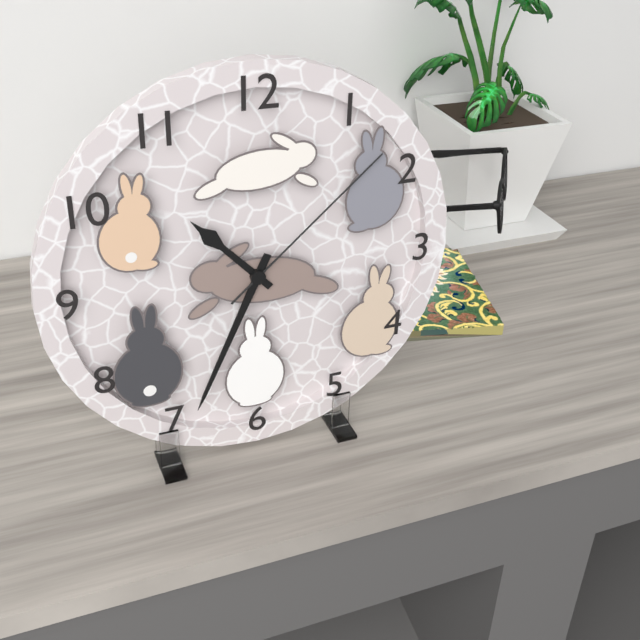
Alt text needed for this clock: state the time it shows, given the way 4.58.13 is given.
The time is 10.34.08
